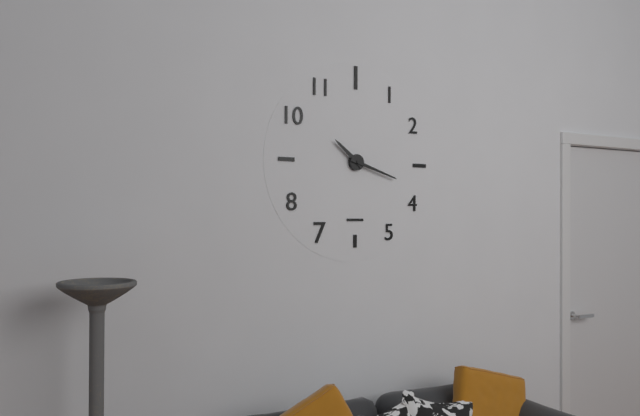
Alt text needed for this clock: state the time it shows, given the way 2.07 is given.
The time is 10.18
